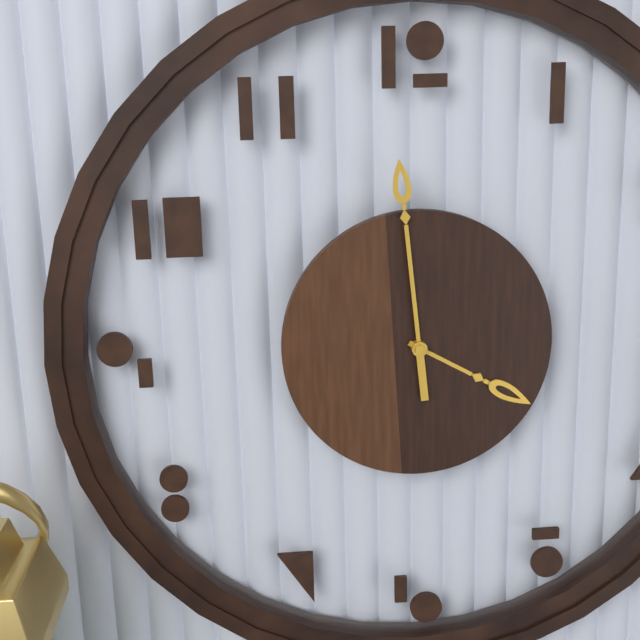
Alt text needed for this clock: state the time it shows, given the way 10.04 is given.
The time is 3.59
